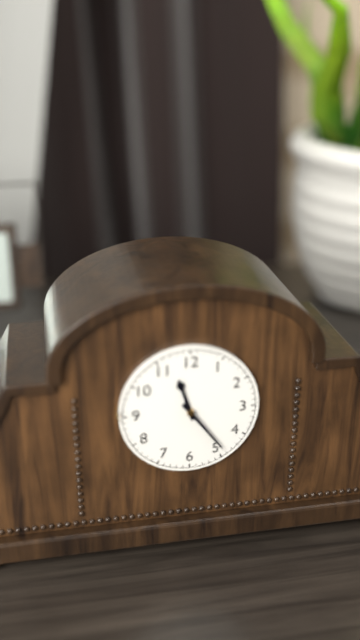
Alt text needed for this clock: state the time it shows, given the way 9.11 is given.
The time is 11.24
